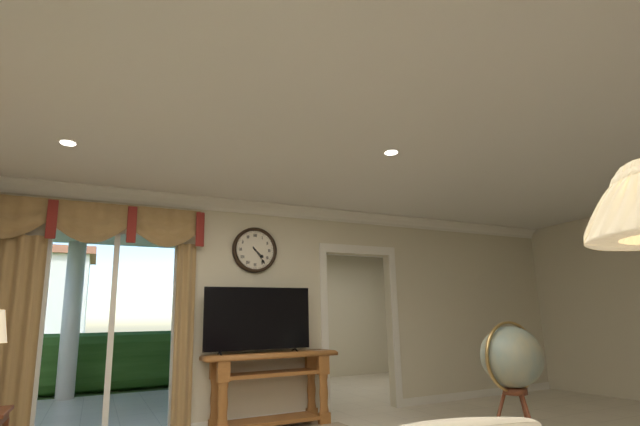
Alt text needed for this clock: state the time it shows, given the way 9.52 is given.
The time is 4.24
